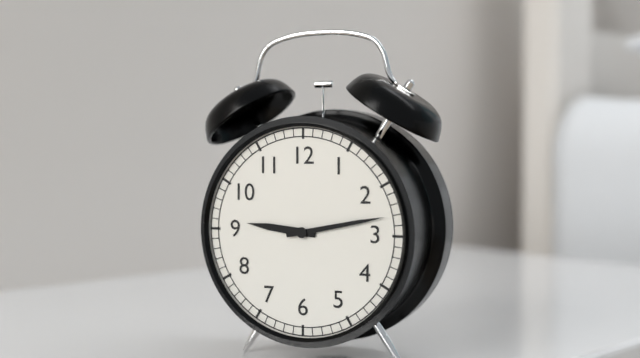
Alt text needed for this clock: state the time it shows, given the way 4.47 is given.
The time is 9.13
